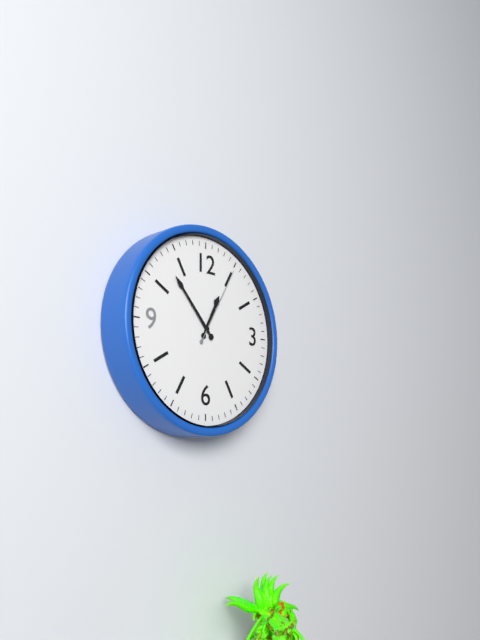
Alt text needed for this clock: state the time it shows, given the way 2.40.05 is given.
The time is 12.53.05
